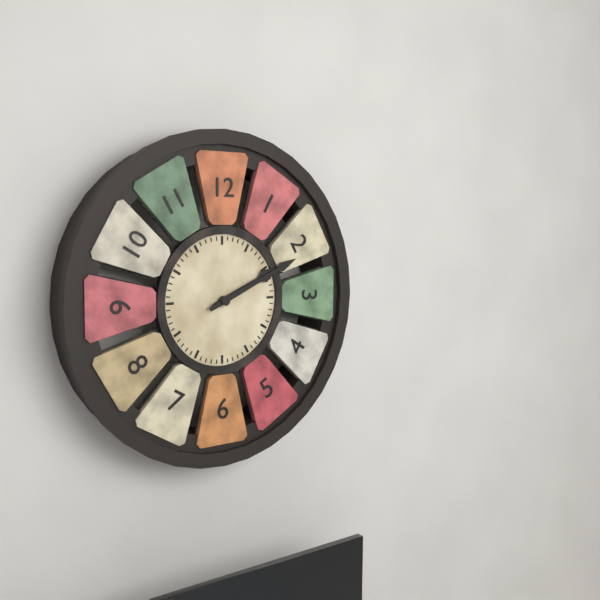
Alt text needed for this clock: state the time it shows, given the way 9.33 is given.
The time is 2.11
